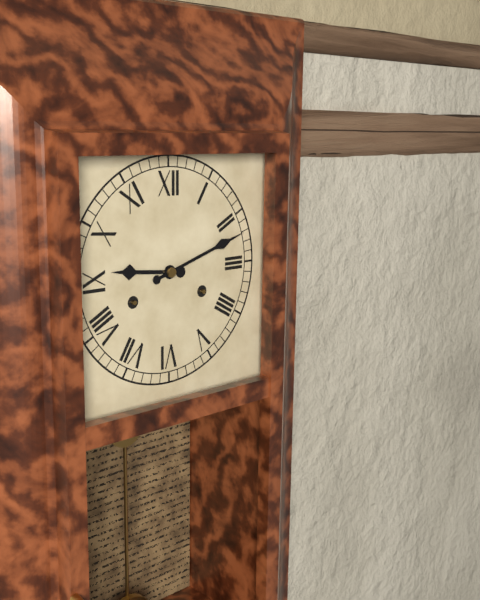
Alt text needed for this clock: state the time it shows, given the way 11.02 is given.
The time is 9.12
